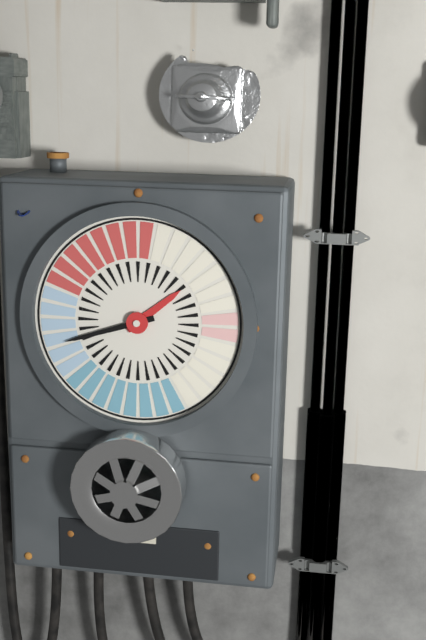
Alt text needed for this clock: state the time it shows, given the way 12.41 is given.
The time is 1.42
